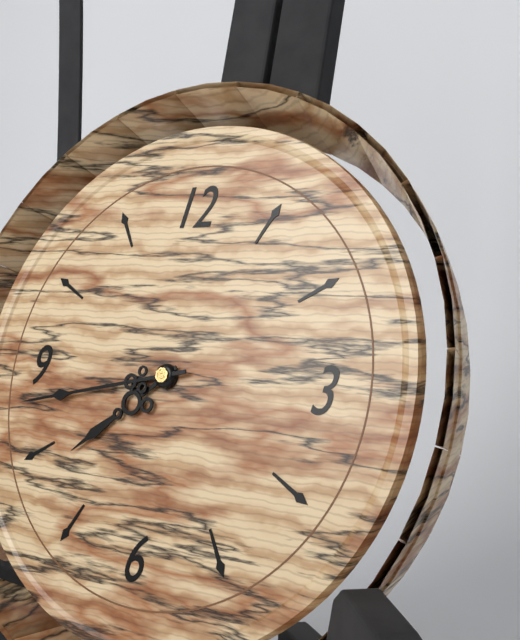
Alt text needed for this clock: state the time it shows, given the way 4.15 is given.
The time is 7.43
